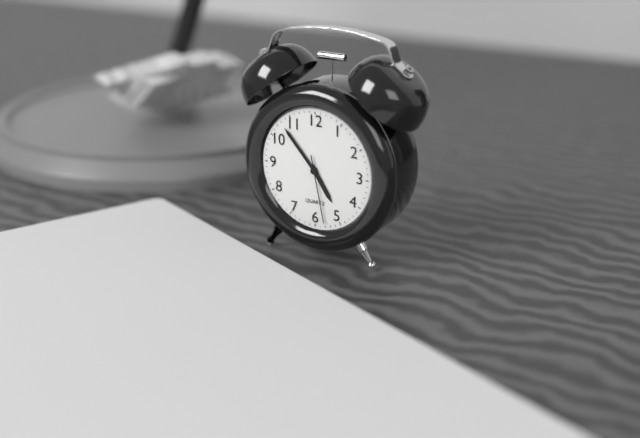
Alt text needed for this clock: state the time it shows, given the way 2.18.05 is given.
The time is 4.53.28
